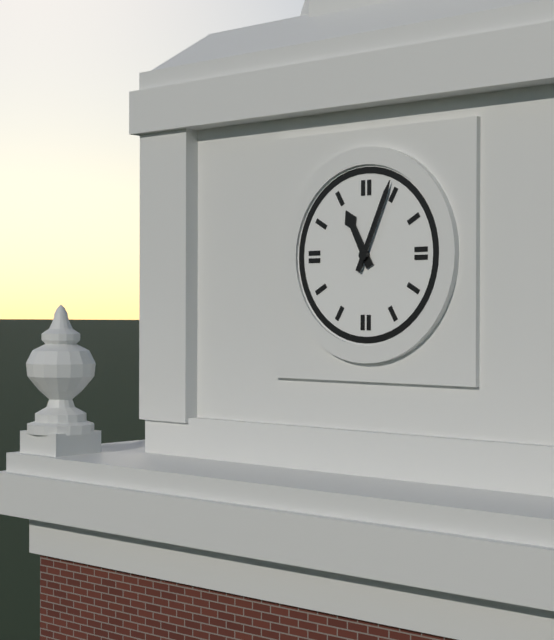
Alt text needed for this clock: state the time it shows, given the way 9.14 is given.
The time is 11.04
